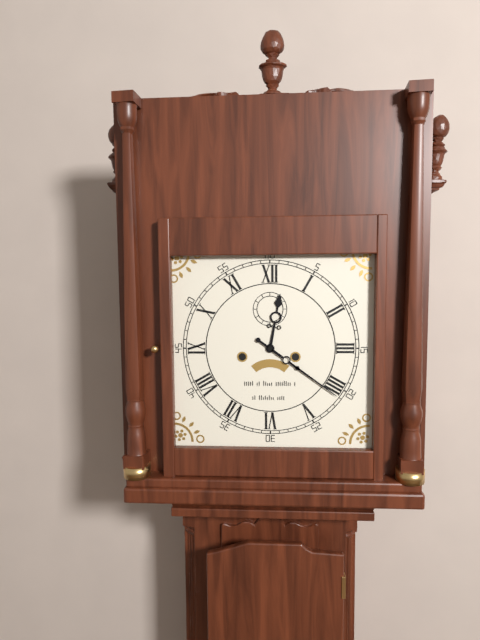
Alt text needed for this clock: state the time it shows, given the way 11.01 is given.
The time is 12.21
